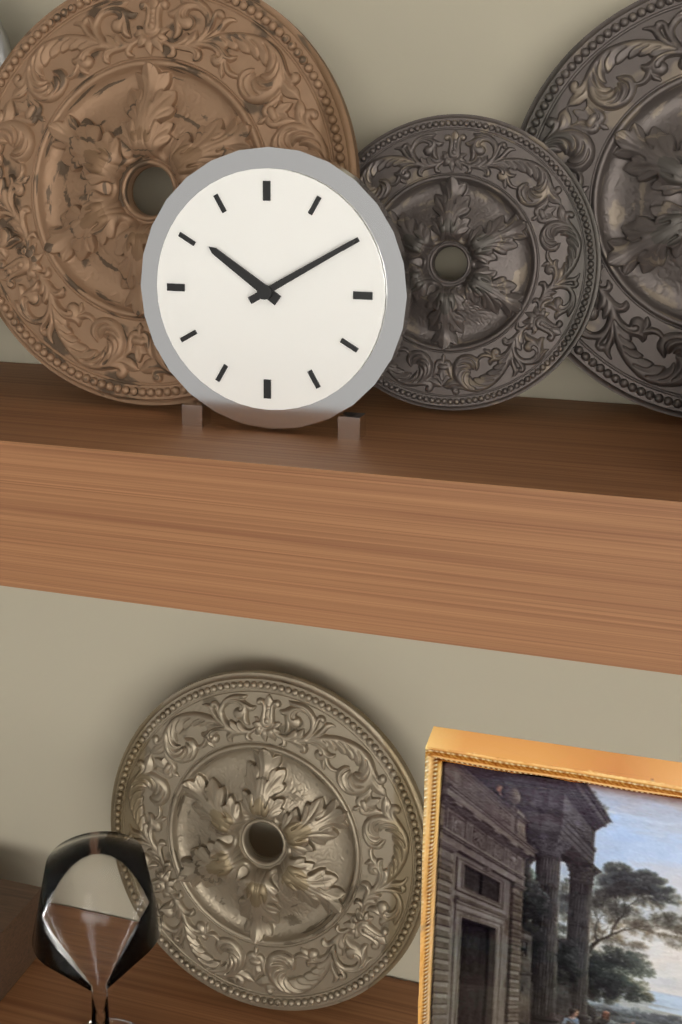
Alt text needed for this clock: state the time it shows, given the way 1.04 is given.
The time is 10.10
